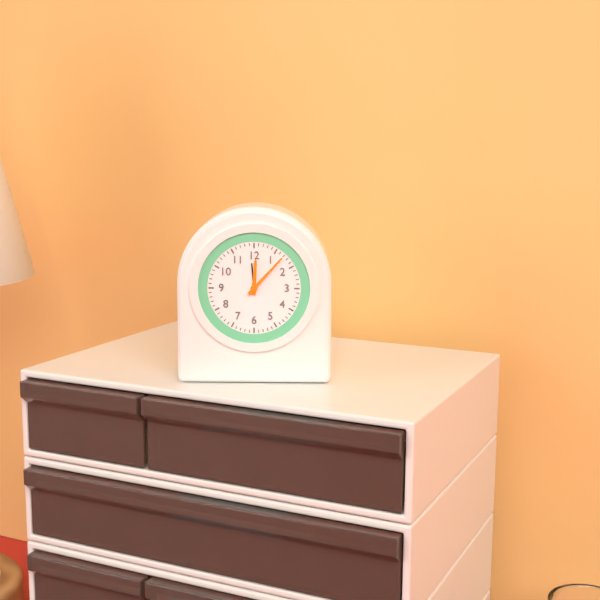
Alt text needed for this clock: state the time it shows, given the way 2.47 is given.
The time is 12.07
